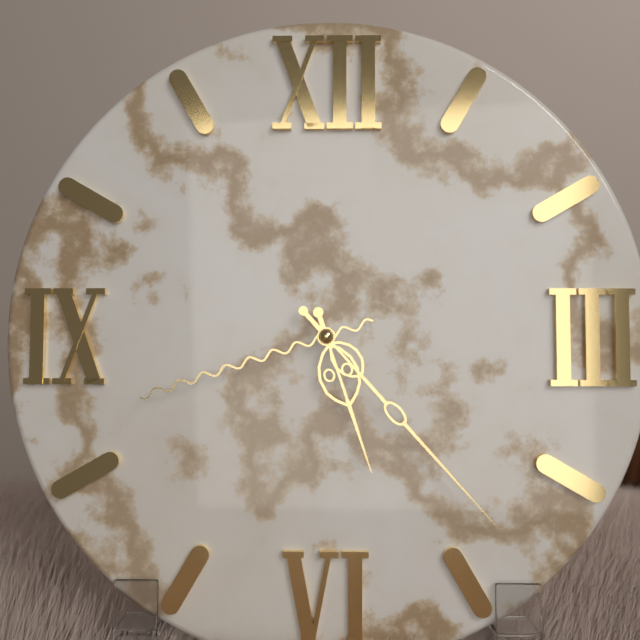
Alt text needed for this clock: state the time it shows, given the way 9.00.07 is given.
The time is 5.23.42
